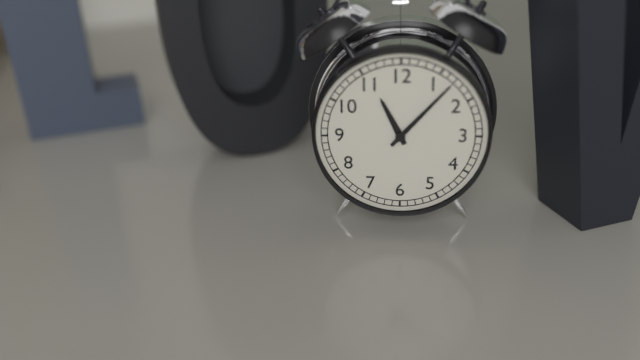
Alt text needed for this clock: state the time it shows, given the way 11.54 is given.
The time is 11.07
